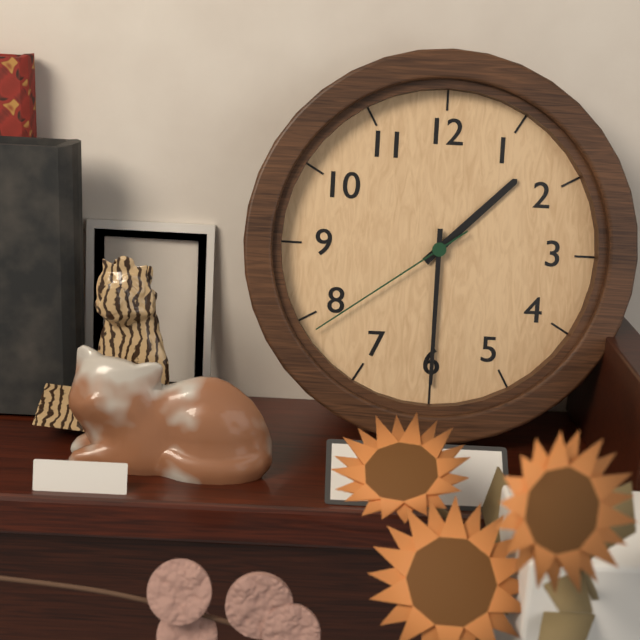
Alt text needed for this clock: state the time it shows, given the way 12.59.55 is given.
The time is 1.30.39
